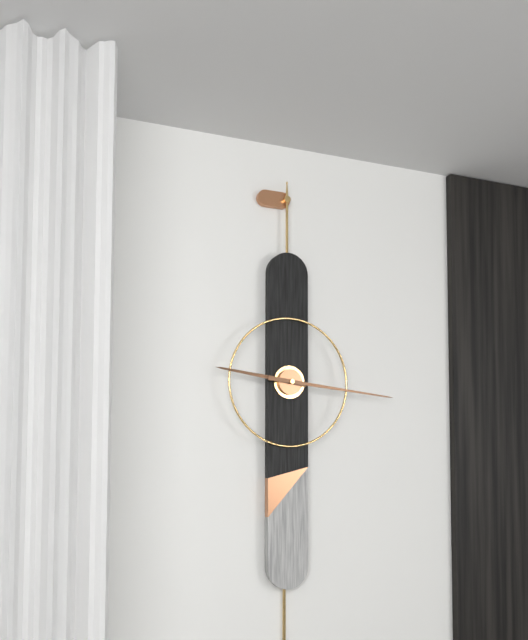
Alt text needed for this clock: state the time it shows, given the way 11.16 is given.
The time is 9.16
